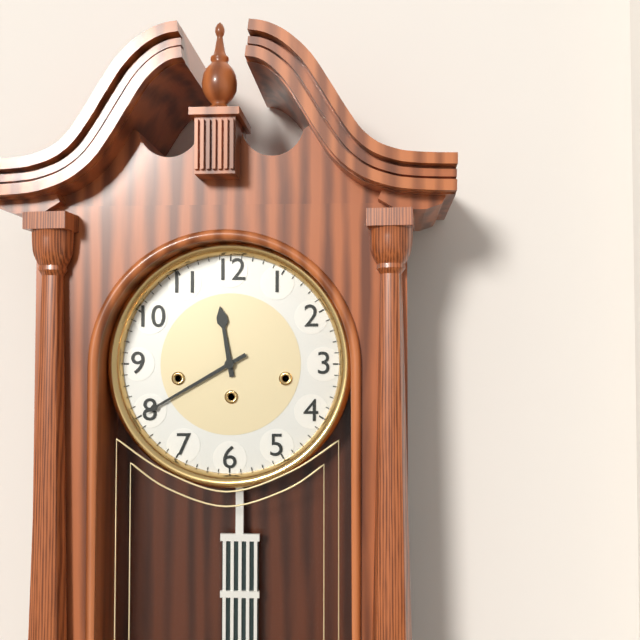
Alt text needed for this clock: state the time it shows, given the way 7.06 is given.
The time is 11.40
